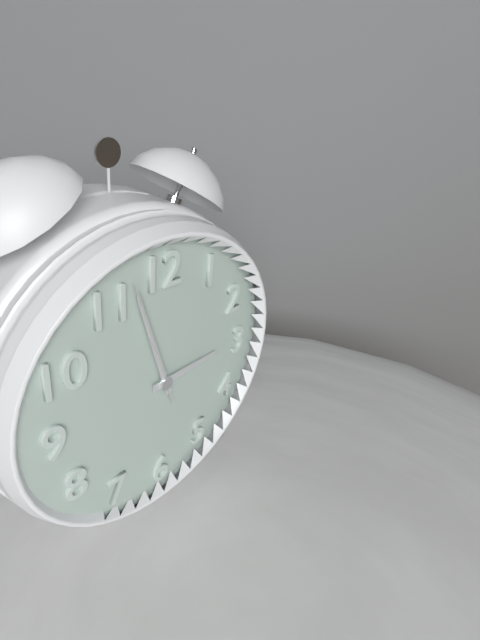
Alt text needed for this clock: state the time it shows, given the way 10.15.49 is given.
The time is 2.57.57
